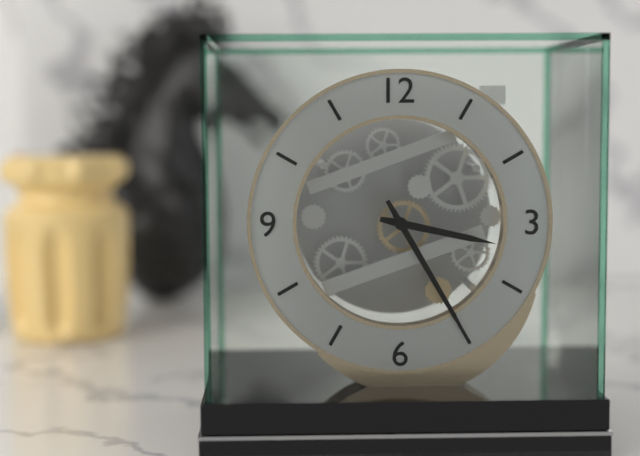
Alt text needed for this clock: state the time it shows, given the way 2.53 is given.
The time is 3.25
